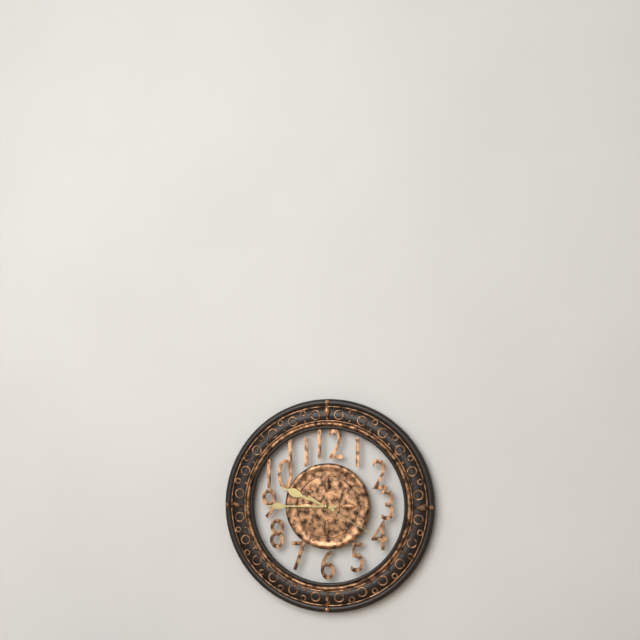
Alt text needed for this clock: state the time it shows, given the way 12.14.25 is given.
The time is 9.45.20
